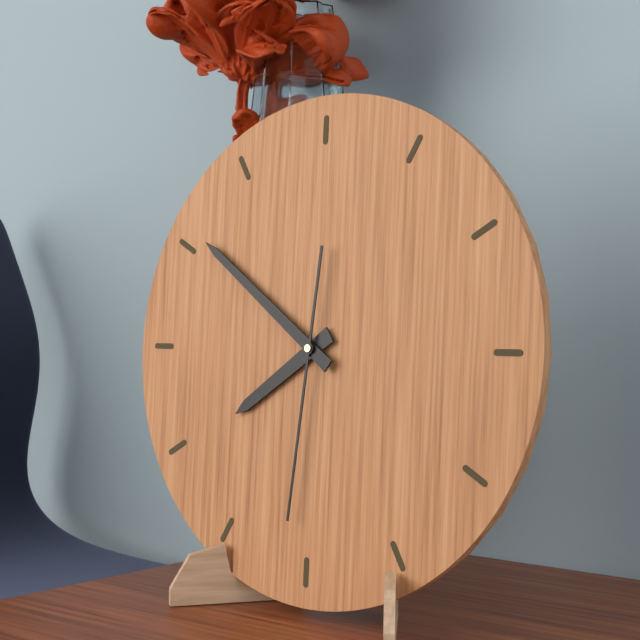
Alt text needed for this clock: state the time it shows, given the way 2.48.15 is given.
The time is 7.51.31
